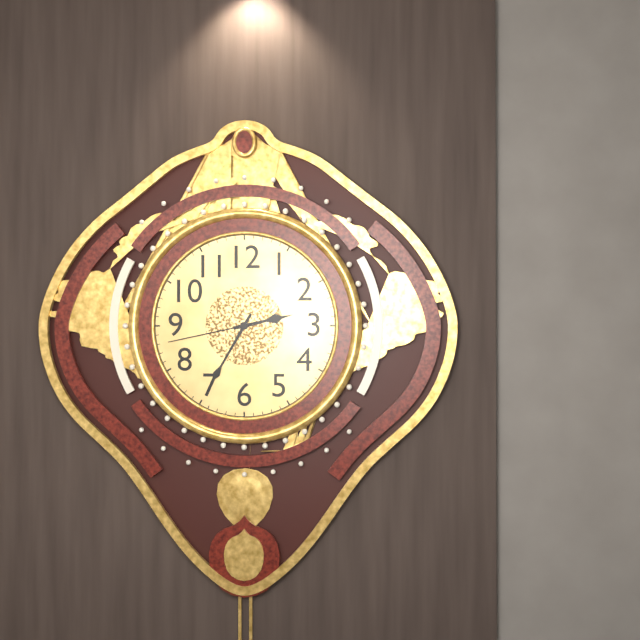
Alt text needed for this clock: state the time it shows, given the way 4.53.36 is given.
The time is 2.35.43
